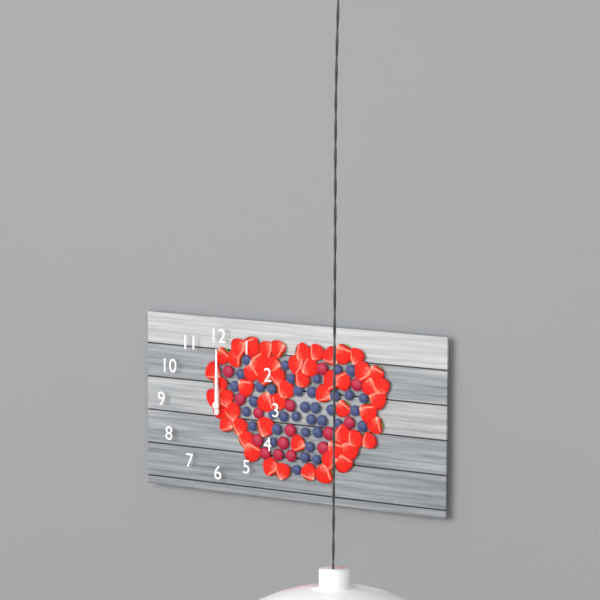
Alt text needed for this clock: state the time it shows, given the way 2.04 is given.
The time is 12.00
